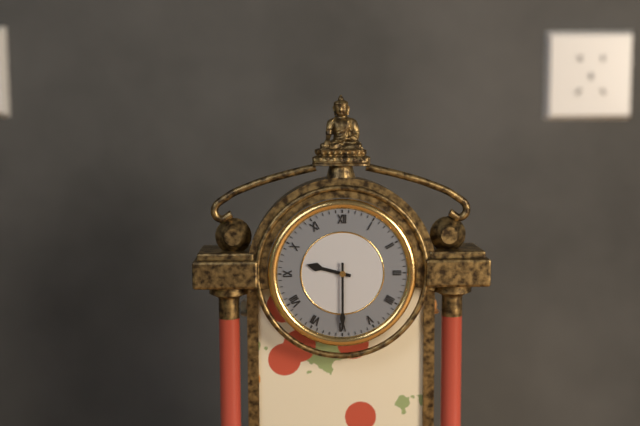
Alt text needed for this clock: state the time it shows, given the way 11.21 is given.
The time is 9.30
